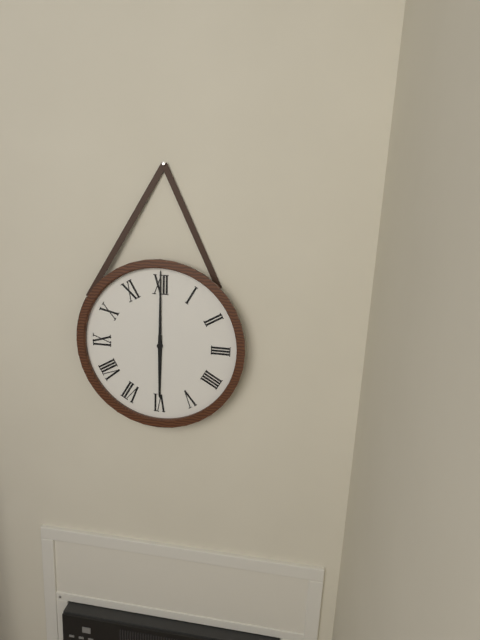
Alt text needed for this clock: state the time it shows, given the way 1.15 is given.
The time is 6.00
